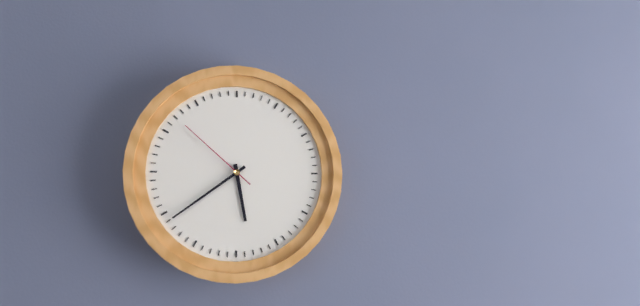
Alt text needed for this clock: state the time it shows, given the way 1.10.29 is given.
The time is 5.39.52
